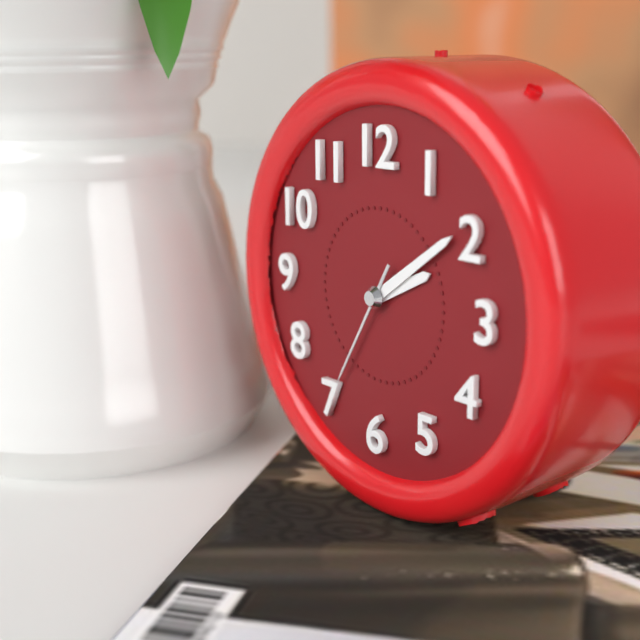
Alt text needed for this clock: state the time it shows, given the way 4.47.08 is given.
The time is 2.09.35
